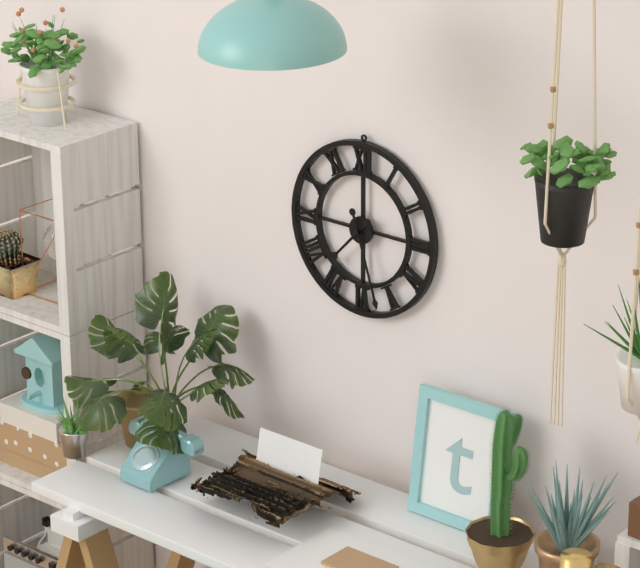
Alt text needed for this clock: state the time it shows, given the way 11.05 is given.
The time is 7.27
